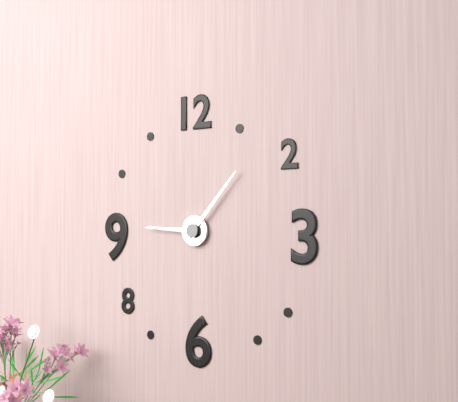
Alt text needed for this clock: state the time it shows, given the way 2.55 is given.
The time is 9.07
